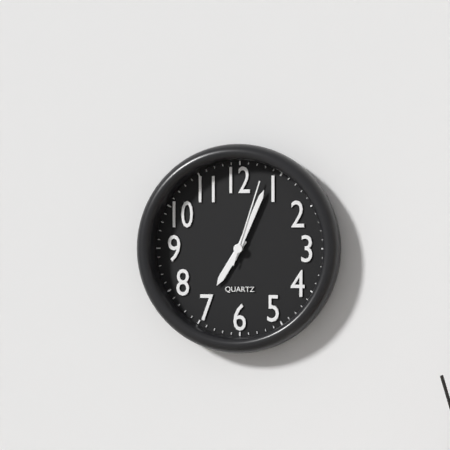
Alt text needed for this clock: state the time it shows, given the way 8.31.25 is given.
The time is 7.04.03
